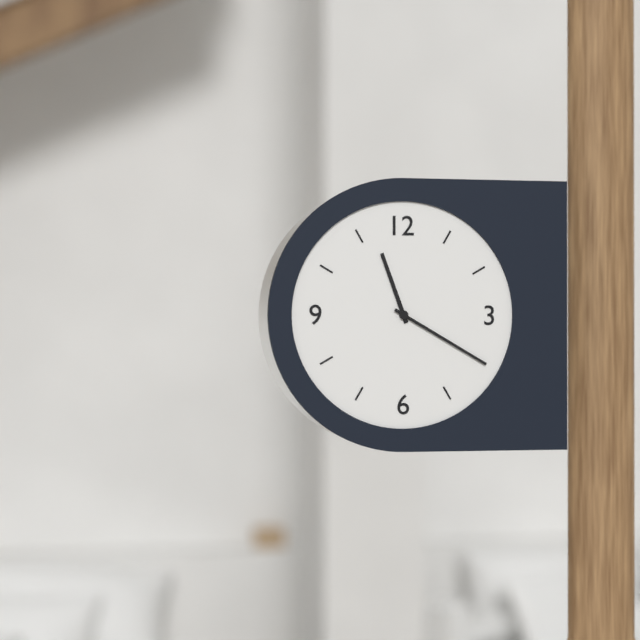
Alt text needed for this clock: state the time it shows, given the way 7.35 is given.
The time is 11.20
